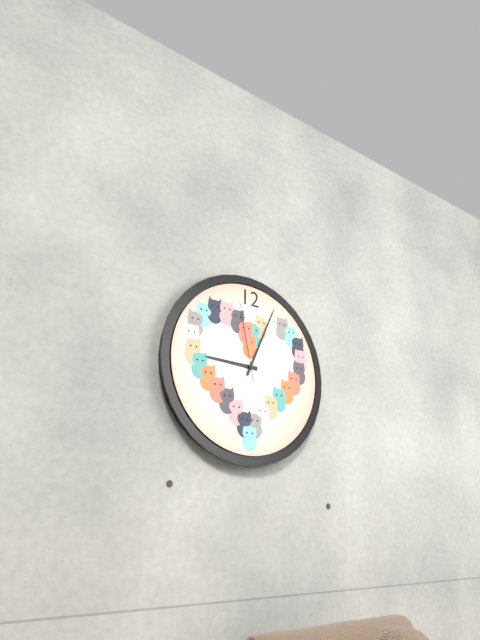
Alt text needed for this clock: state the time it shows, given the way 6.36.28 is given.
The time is 9.04.58
